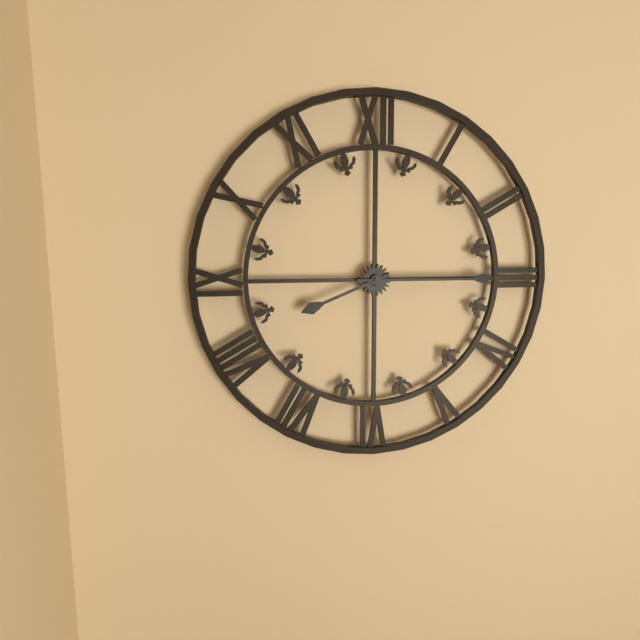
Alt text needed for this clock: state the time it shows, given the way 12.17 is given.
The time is 8.15
